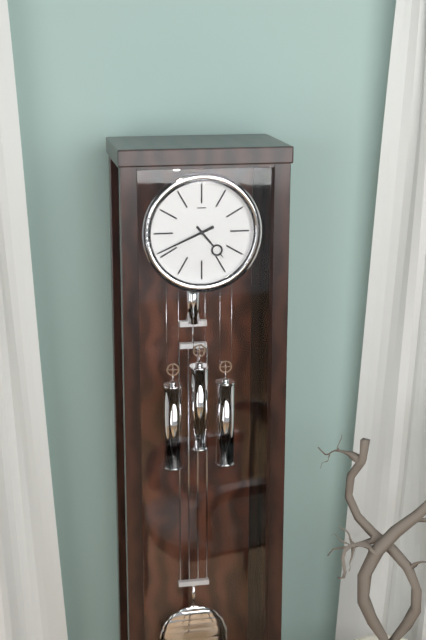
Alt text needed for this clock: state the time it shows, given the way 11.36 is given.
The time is 4.41
